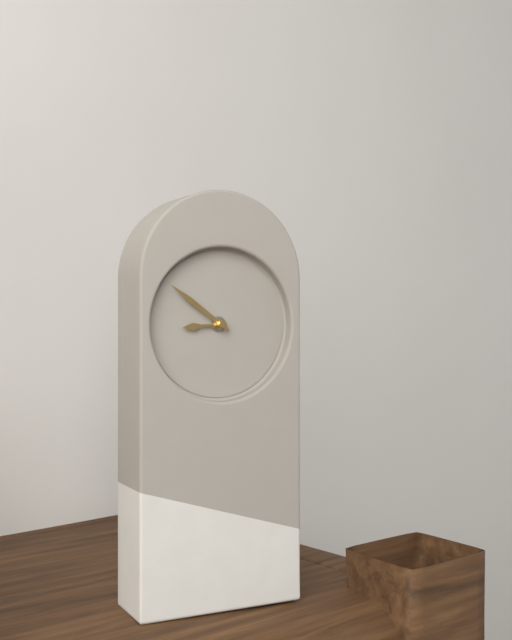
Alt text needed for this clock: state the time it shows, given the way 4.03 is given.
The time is 8.51
